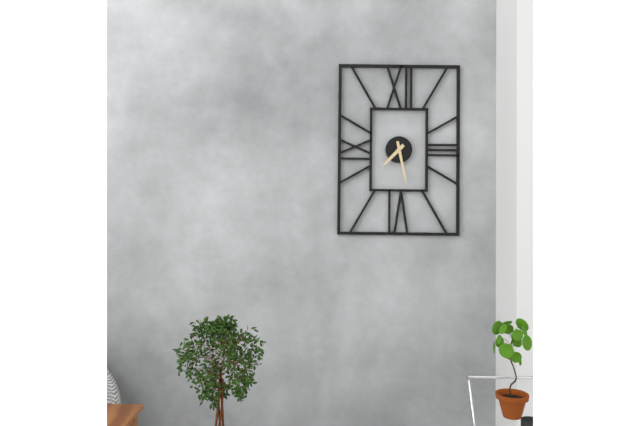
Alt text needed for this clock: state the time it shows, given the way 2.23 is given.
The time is 7.28
